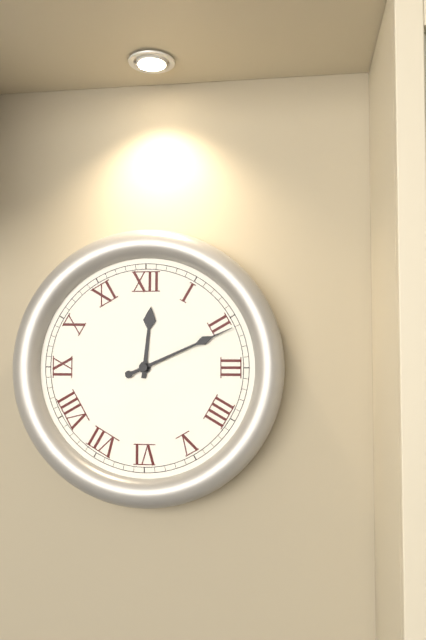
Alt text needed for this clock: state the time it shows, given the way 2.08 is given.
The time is 12.11
